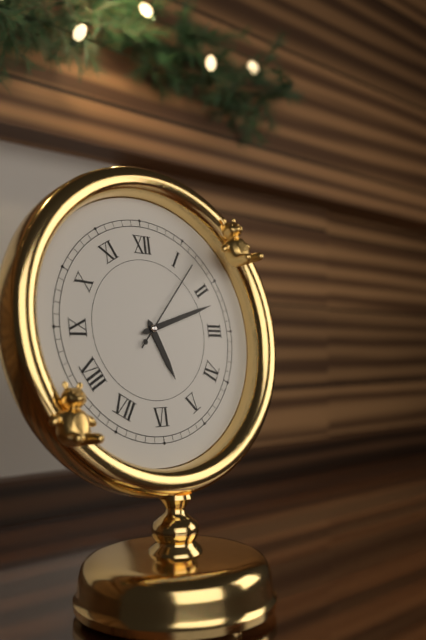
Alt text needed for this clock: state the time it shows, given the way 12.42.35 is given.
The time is 5.12.07
